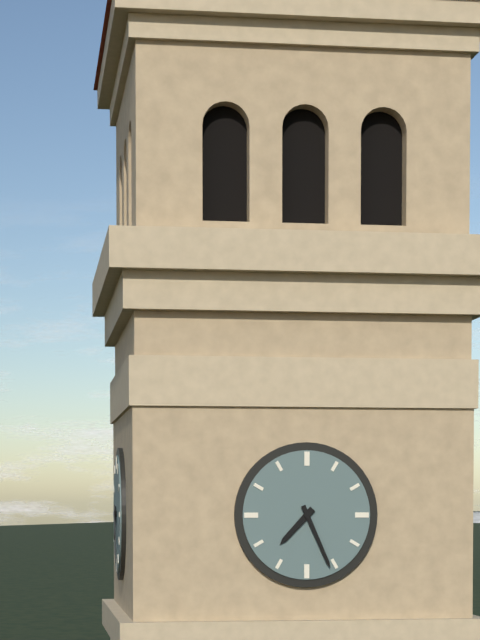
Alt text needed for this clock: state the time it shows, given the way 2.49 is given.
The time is 7.26
